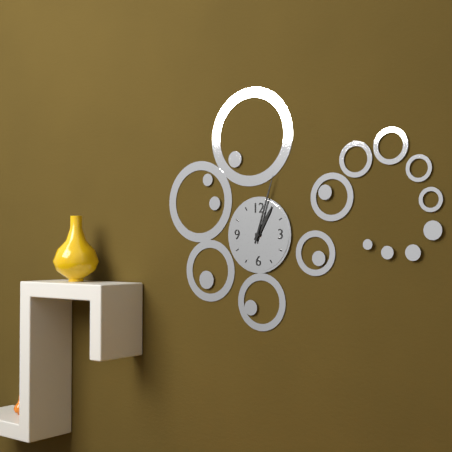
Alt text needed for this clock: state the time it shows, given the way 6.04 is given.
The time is 1.03
